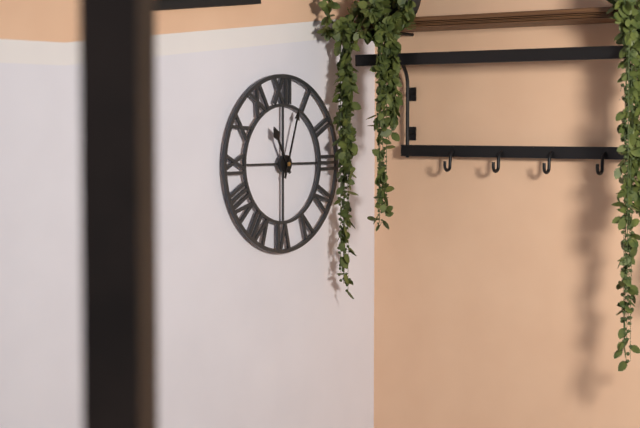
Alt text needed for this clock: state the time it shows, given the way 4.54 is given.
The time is 11.03
